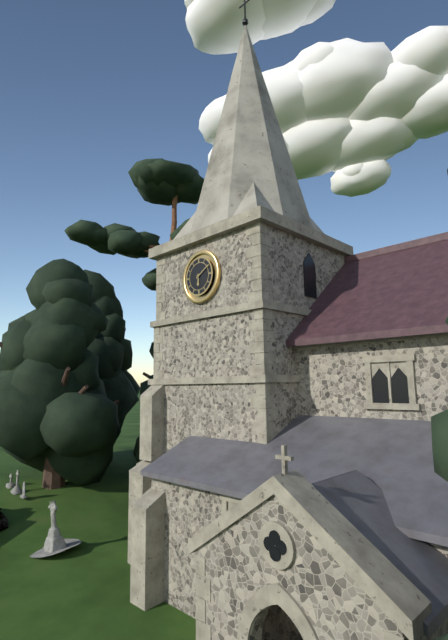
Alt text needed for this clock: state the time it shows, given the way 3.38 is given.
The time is 6.10
